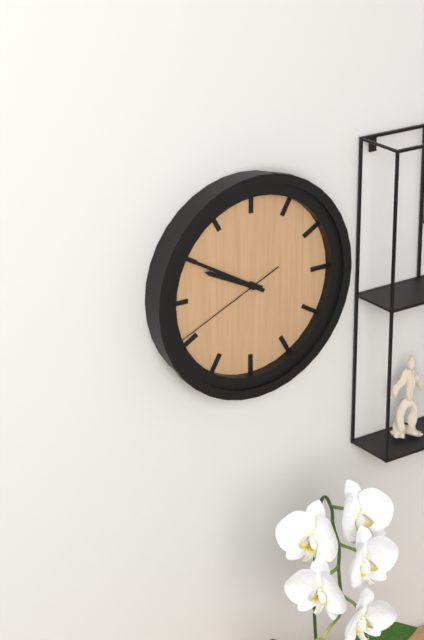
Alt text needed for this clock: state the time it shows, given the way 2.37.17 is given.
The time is 9.50.41
